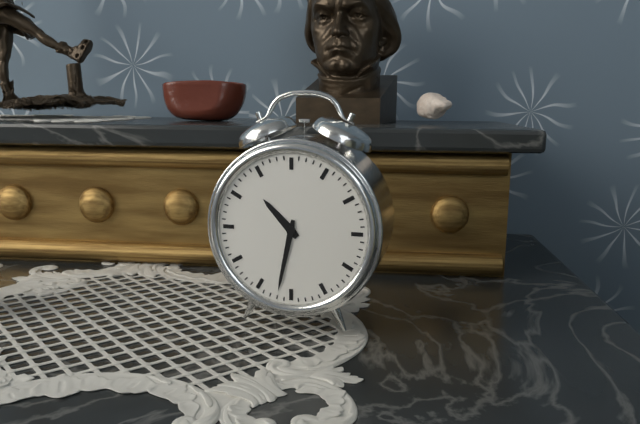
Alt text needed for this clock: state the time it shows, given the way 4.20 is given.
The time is 10.32
